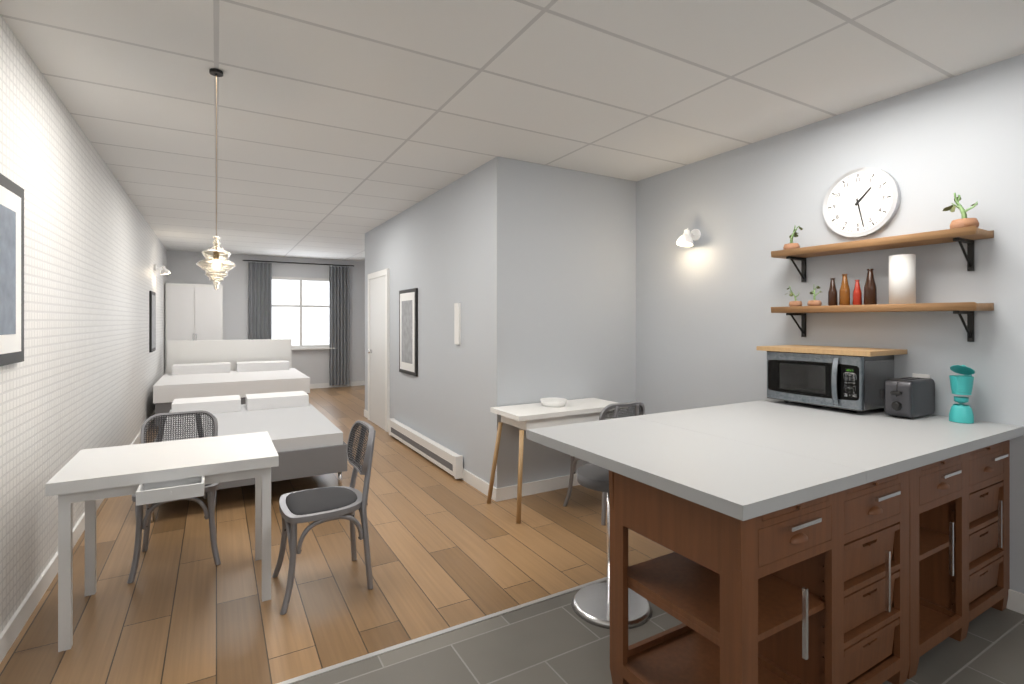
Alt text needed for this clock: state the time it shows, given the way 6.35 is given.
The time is 1.28
